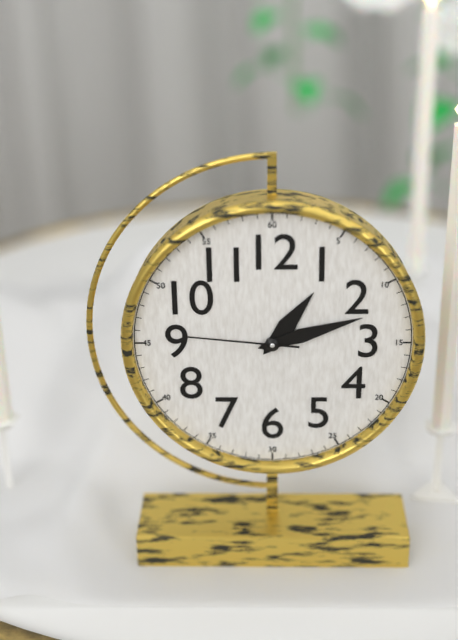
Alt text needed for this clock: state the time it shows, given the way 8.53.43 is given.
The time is 1.12.46
